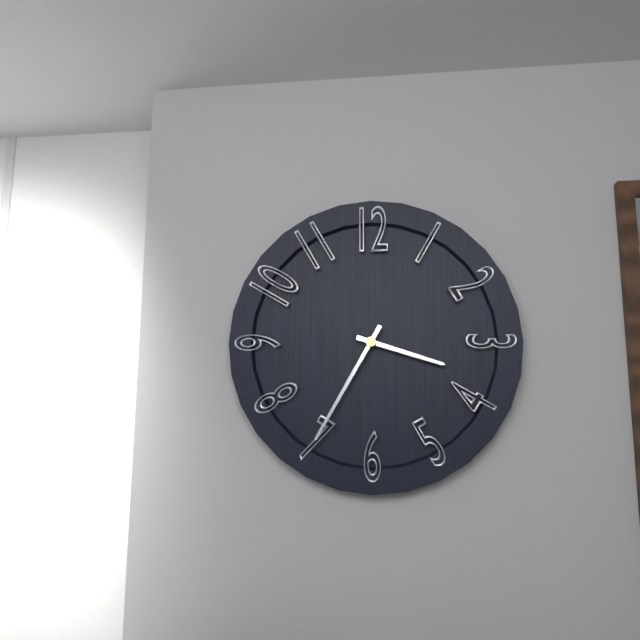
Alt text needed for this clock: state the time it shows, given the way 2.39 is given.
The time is 3.35
